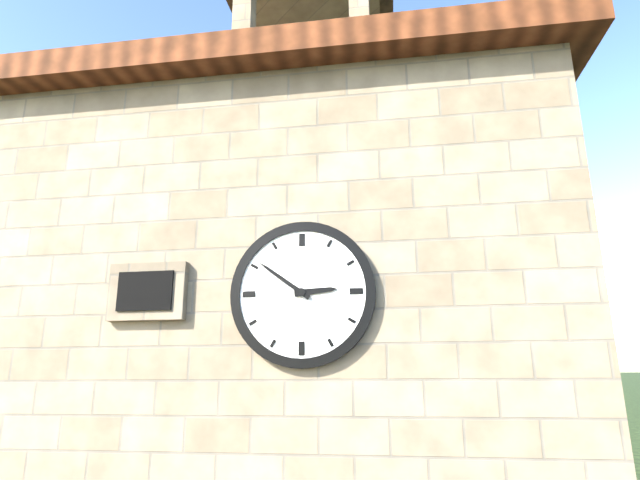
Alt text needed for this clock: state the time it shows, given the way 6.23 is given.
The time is 2.51
